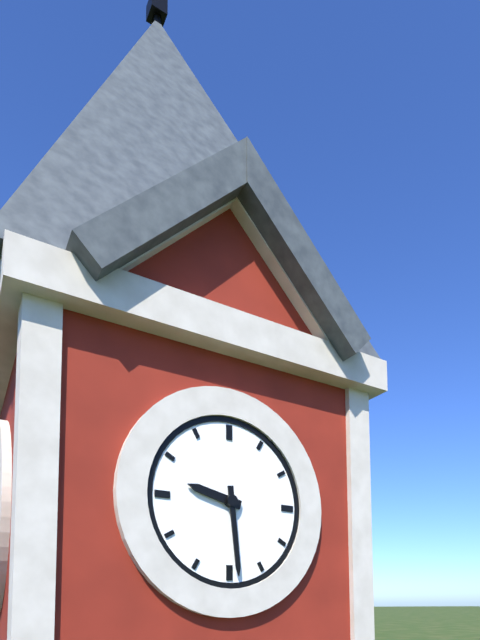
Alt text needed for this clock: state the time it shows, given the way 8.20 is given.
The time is 9.29
